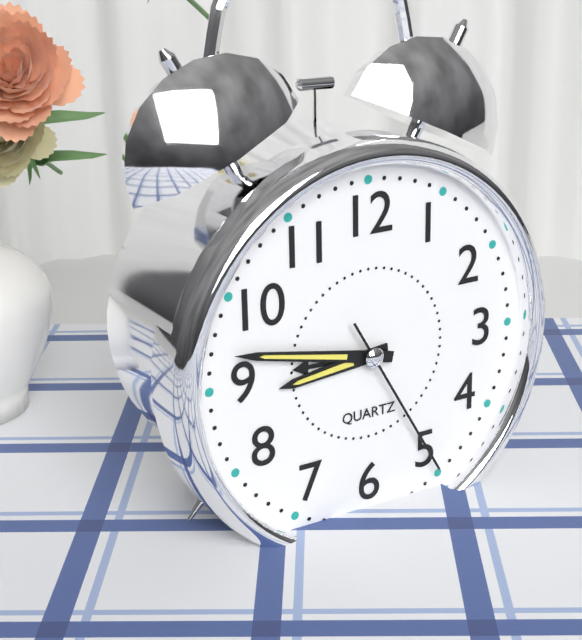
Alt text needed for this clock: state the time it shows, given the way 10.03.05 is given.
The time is 8.47.25
